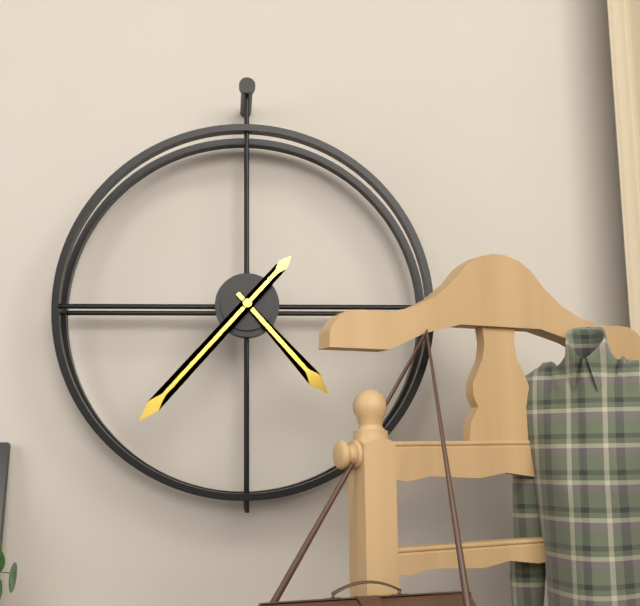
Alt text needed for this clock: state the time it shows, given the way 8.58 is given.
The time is 4.37
